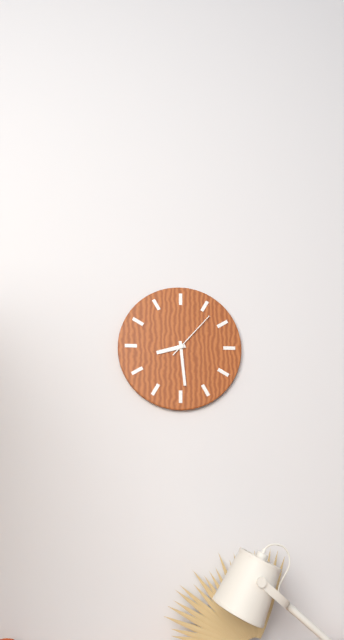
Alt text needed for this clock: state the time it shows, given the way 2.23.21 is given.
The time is 8.29.07
